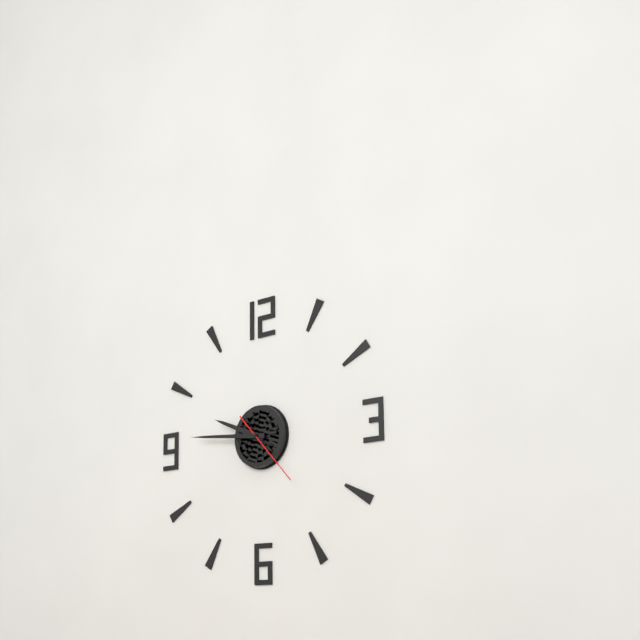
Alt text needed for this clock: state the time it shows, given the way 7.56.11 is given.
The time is 9.46.23
